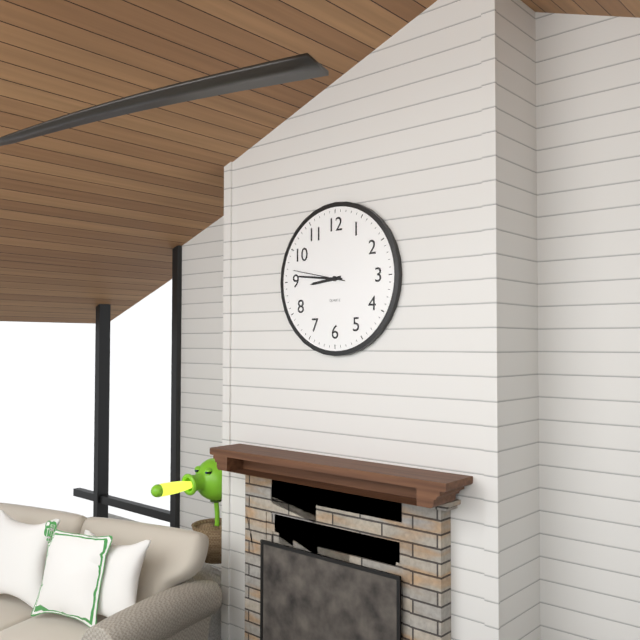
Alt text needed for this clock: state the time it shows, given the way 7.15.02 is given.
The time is 8.46.47
